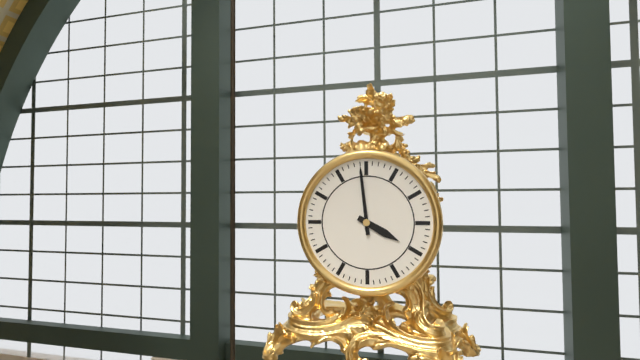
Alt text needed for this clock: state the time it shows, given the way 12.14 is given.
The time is 3.59
